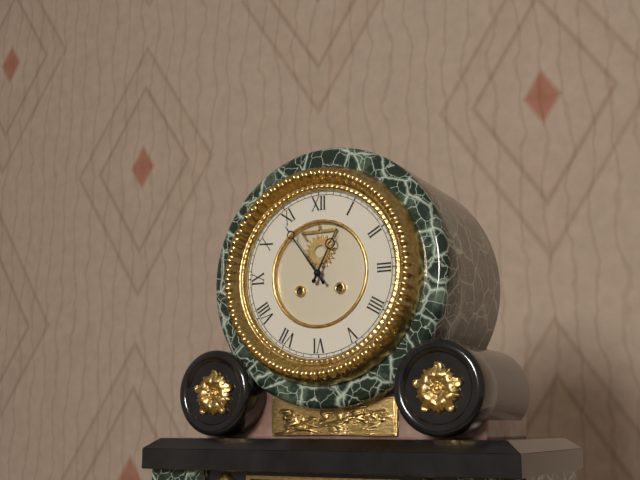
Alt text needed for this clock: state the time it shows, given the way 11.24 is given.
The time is 12.54
